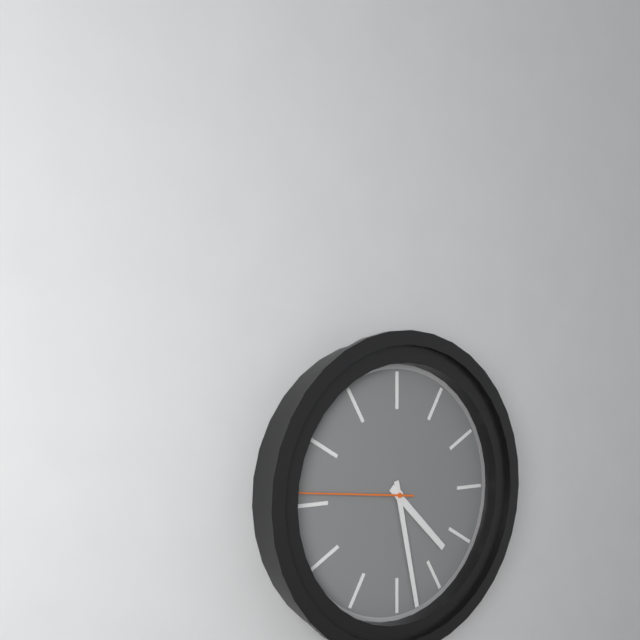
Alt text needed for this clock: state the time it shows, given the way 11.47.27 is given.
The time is 4.28.46
